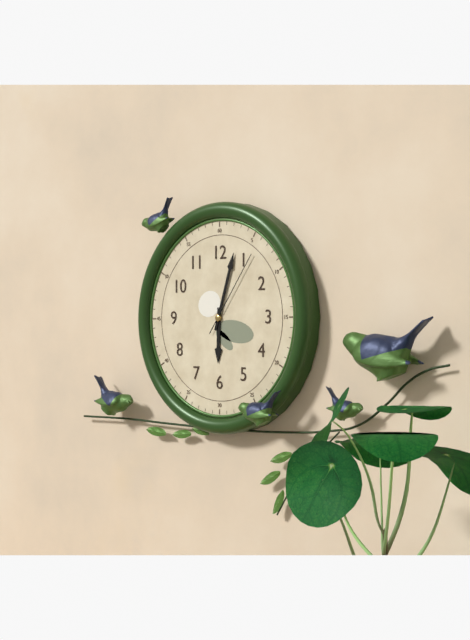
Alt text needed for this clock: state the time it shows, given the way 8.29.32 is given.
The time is 6.03.06
